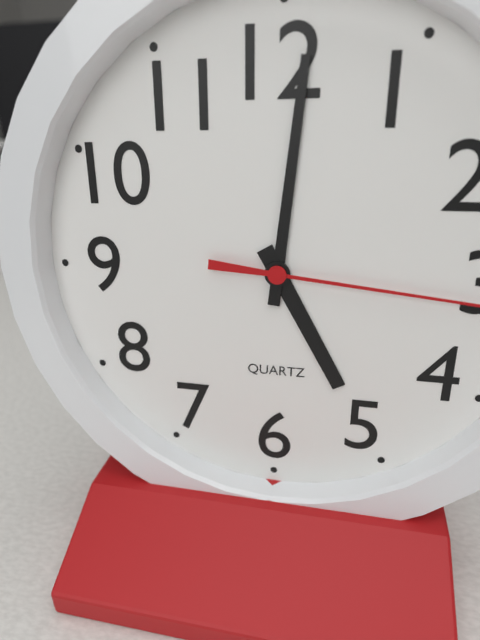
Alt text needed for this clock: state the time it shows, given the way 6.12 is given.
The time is 5.01
